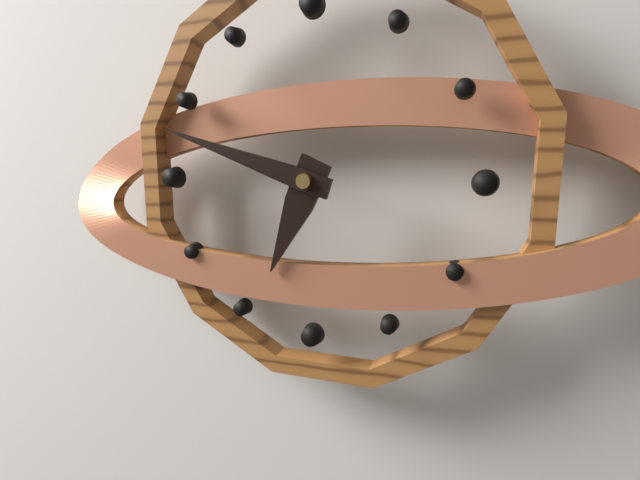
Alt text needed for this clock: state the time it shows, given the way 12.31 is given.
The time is 6.48
